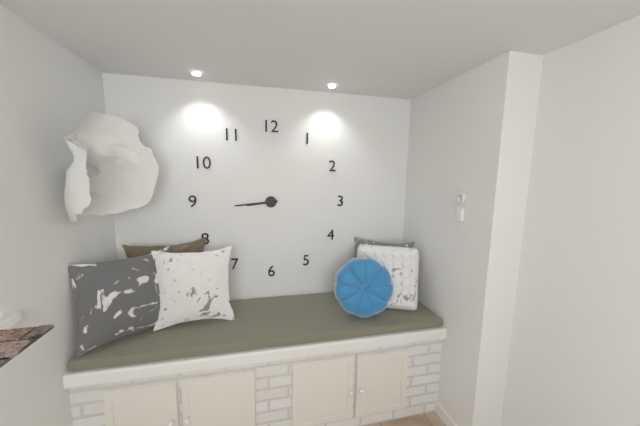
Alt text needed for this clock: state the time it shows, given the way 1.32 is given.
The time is 8.44
